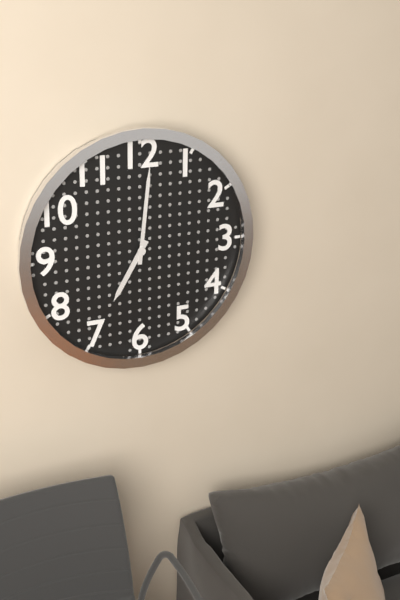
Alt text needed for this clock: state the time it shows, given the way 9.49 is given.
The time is 7.01
